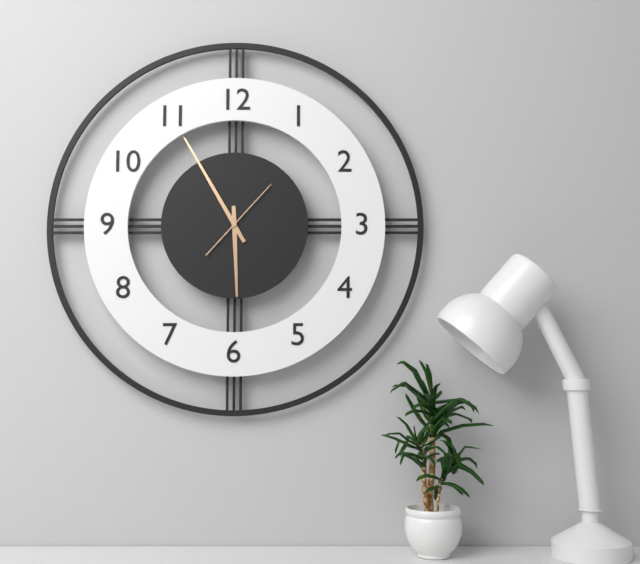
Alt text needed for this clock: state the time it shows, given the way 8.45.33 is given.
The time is 5.55.07
